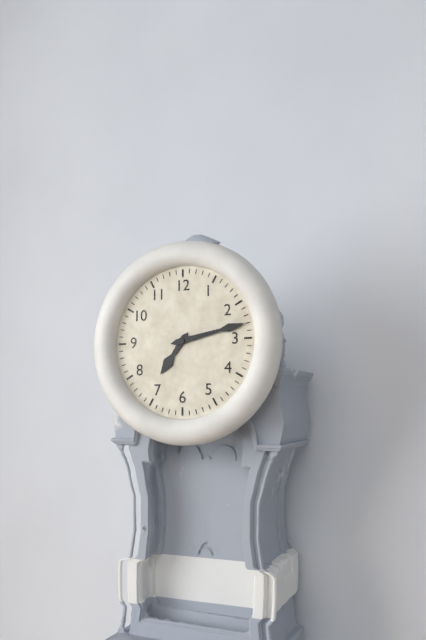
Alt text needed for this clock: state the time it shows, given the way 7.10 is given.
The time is 7.13
